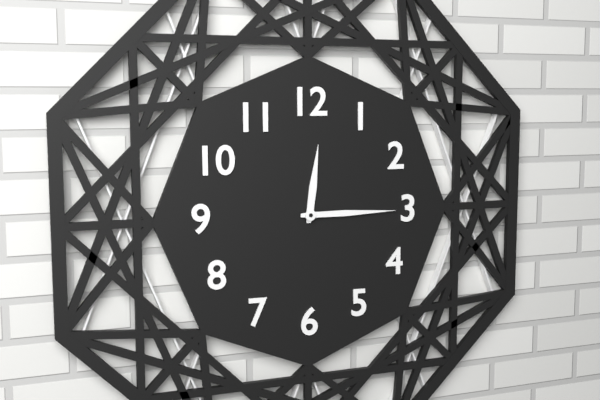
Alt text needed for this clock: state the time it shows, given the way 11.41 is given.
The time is 12.15
